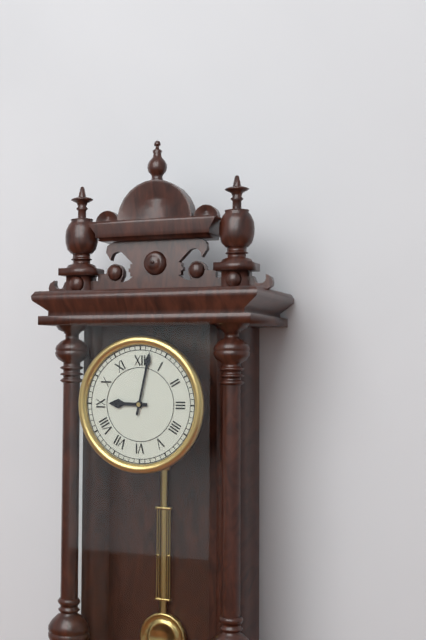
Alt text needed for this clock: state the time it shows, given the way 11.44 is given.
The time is 9.02
